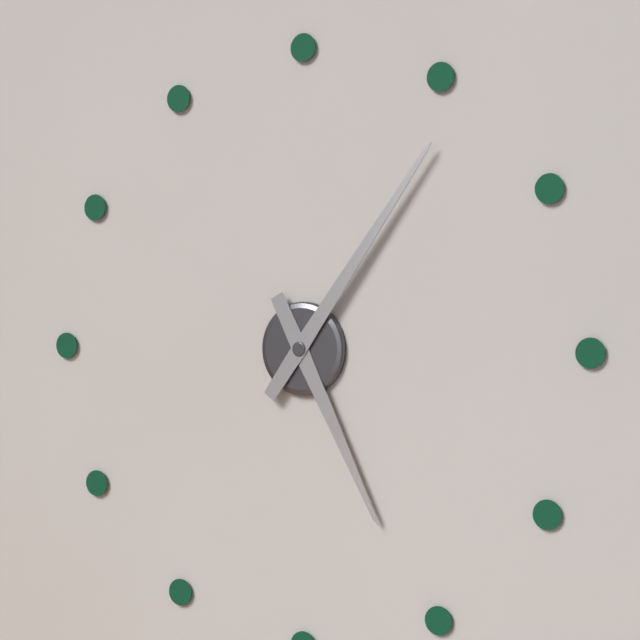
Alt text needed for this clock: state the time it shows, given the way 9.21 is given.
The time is 5.06
